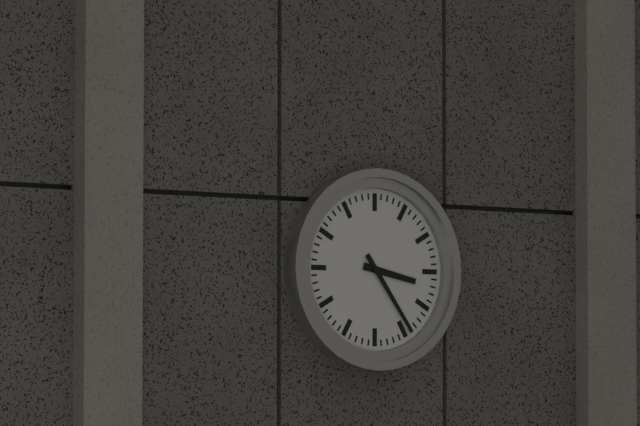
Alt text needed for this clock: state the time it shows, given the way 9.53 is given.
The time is 3.24
